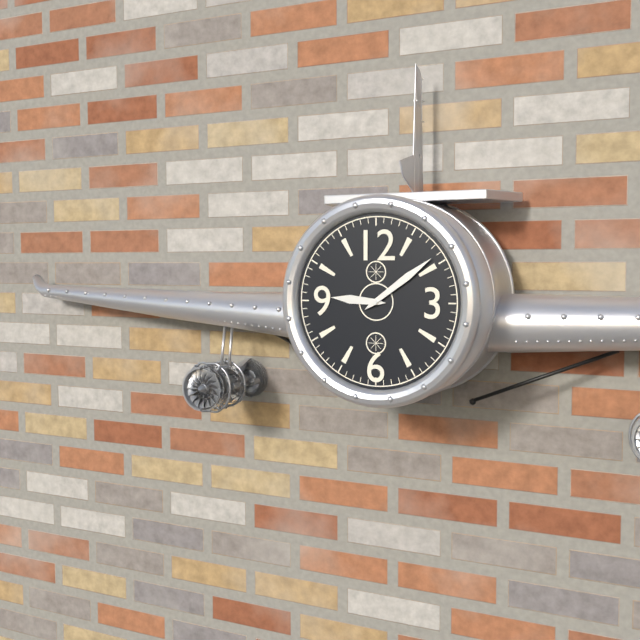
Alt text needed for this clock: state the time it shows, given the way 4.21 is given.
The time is 9.09
